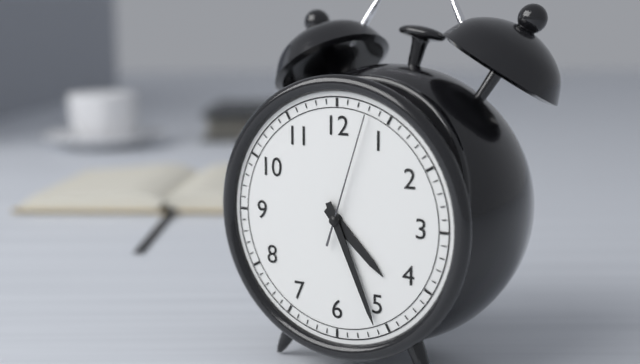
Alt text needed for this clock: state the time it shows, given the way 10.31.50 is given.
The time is 4.26.03
